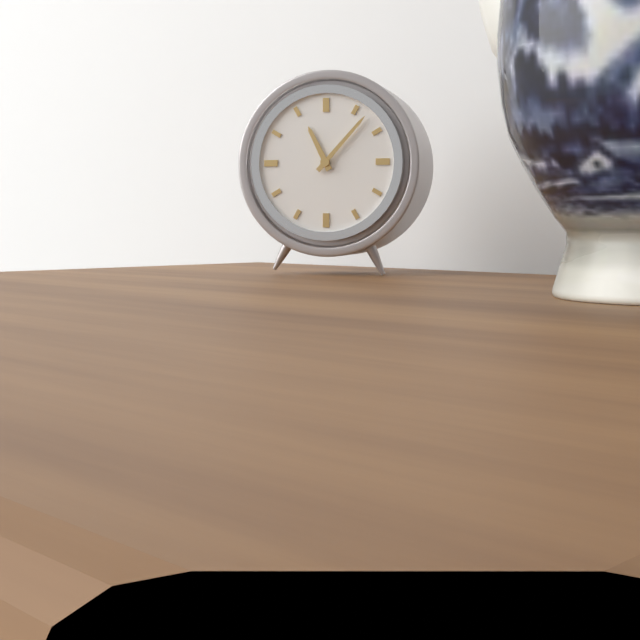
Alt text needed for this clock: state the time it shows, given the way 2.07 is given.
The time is 11.07
